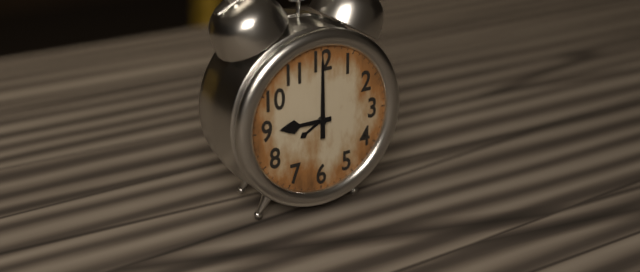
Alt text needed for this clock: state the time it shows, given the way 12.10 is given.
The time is 9.00
